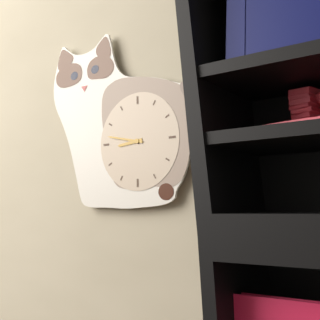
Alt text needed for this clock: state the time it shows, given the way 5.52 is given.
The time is 8.47
